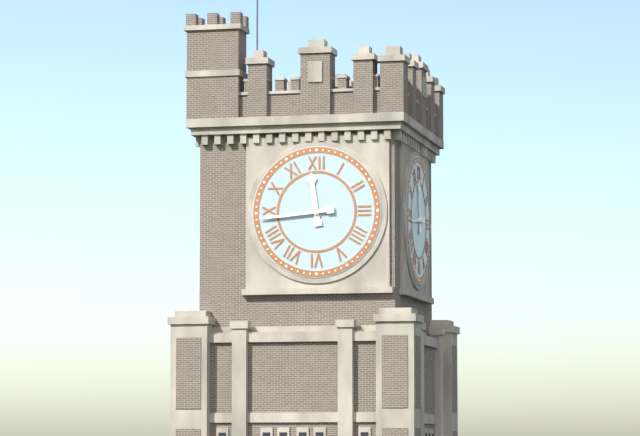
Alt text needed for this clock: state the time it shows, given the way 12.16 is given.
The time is 11.44
